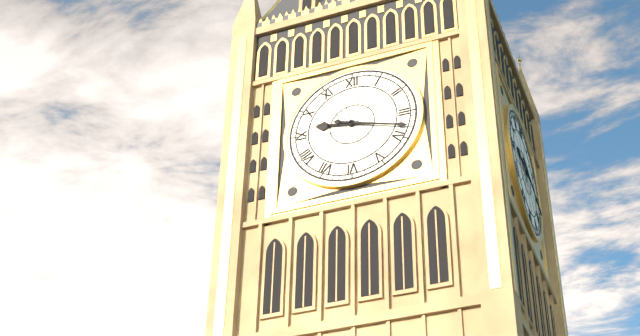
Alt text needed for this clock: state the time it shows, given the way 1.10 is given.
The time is 9.18
